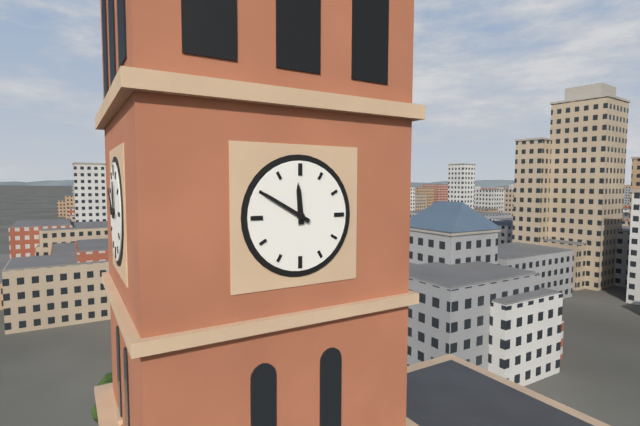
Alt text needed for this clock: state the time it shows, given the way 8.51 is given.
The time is 11.50
